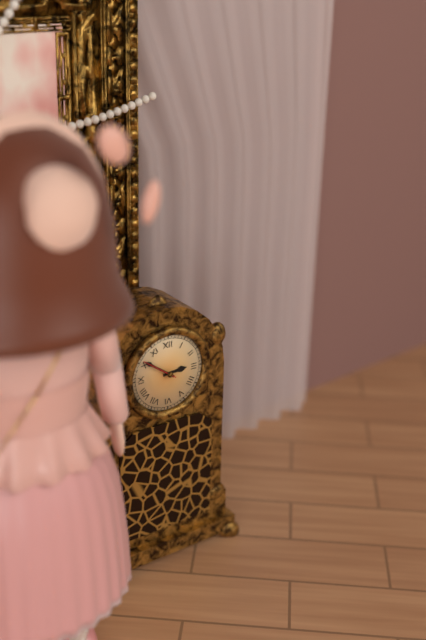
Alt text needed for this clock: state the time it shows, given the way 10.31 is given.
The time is 2.51
